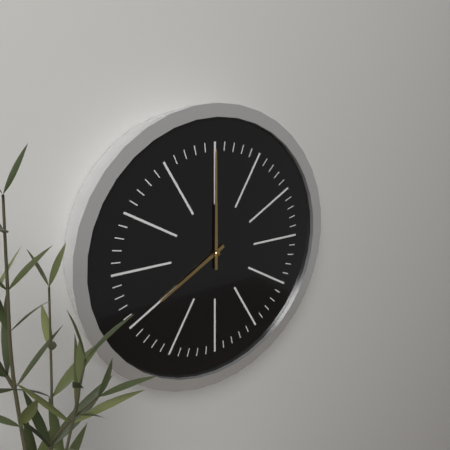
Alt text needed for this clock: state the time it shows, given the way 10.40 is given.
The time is 8.00
